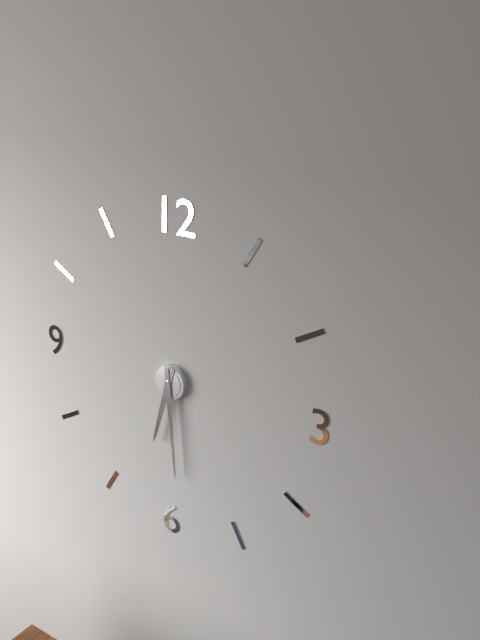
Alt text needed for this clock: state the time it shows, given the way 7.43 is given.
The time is 6.29
